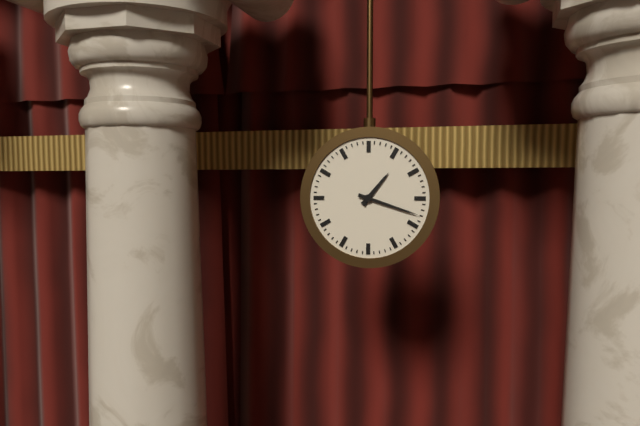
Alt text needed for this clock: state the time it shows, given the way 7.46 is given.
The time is 1.18
